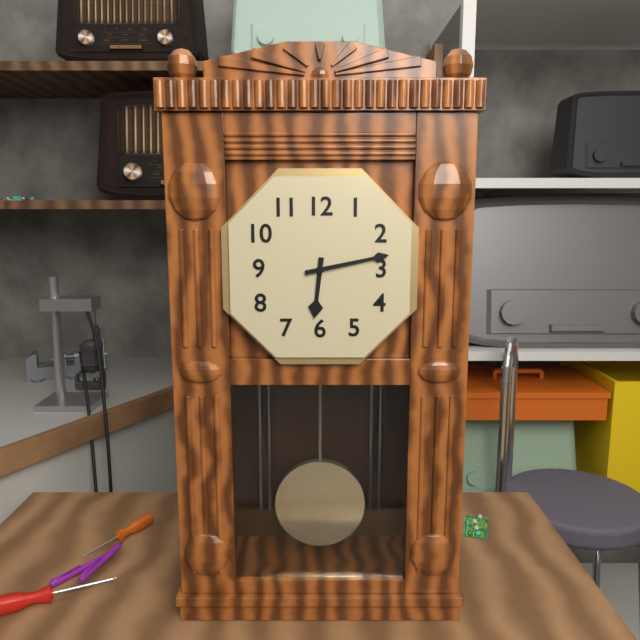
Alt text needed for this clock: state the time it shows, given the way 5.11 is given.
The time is 6.13
